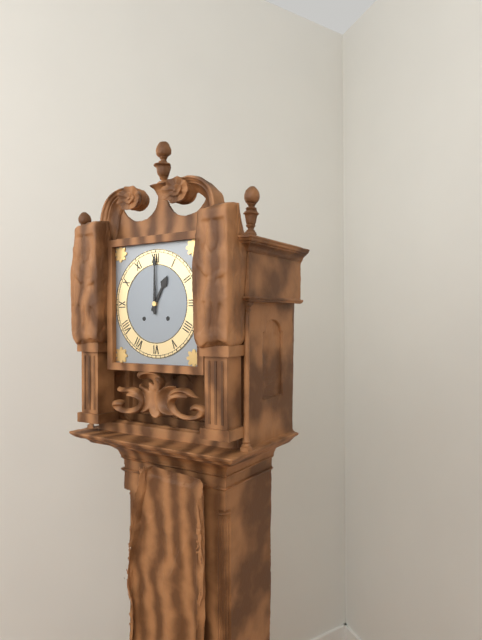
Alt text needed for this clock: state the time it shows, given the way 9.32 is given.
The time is 1.00
